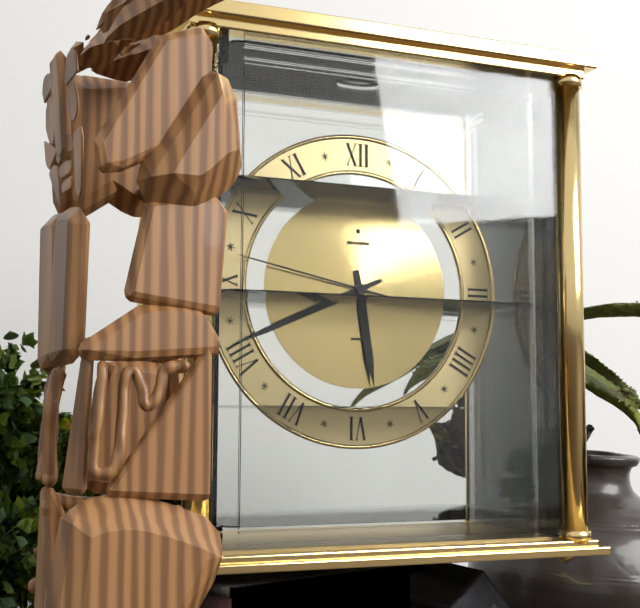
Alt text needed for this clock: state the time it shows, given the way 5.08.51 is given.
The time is 5.41.47
